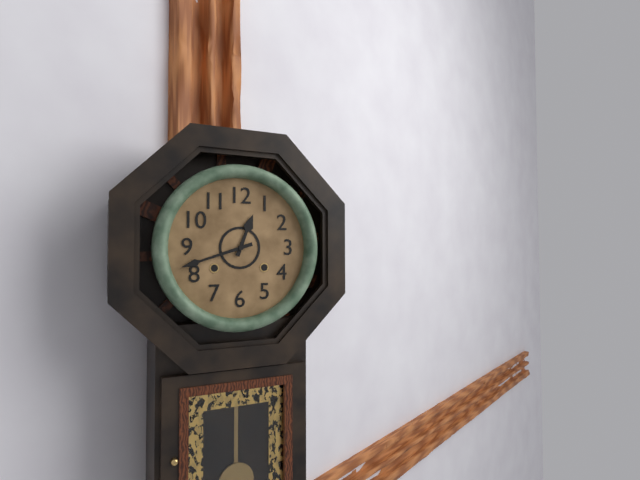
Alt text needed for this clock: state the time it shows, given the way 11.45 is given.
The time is 12.42
